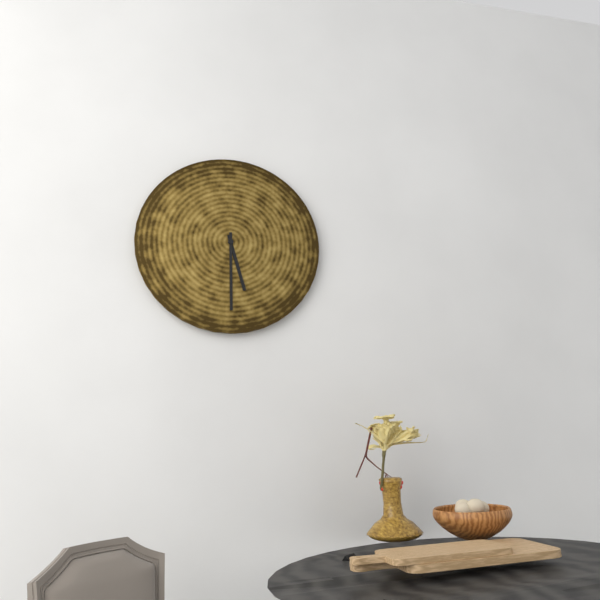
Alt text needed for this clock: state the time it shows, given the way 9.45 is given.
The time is 5.30
